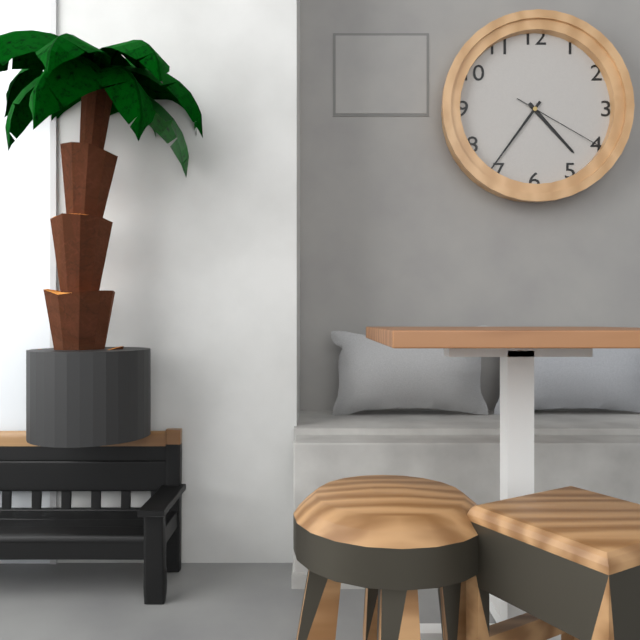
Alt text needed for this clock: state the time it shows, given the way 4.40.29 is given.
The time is 4.36.20
